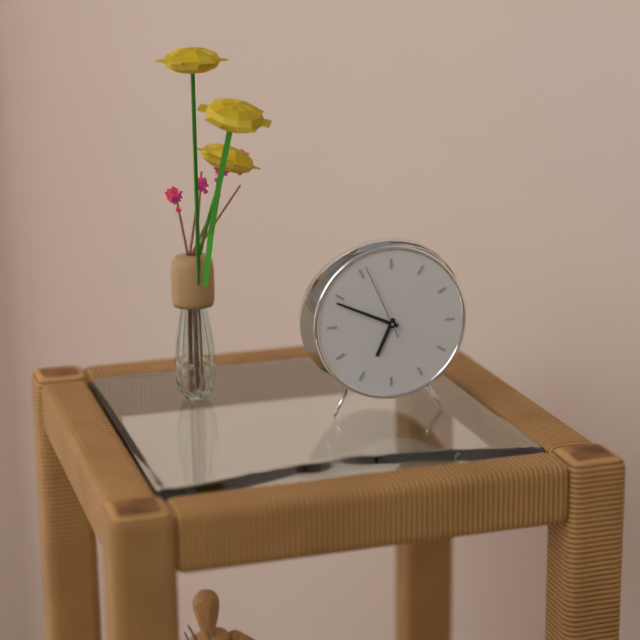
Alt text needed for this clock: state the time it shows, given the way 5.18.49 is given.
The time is 6.49.56
